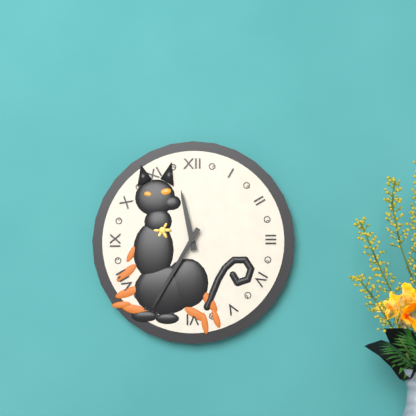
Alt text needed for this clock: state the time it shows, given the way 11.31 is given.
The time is 11.35
